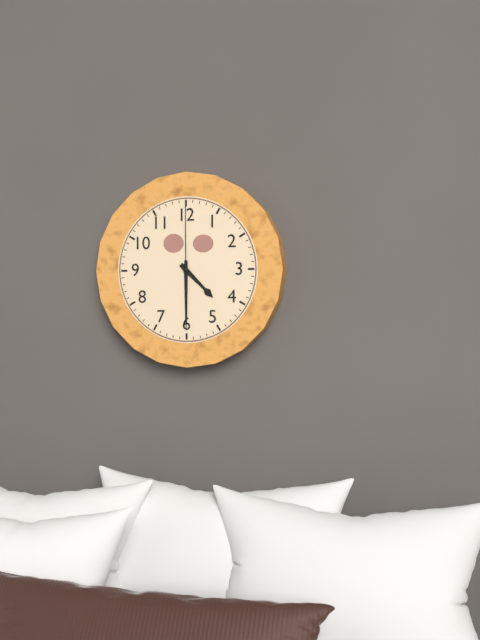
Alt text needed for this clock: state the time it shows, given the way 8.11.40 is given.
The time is 4.30.00
